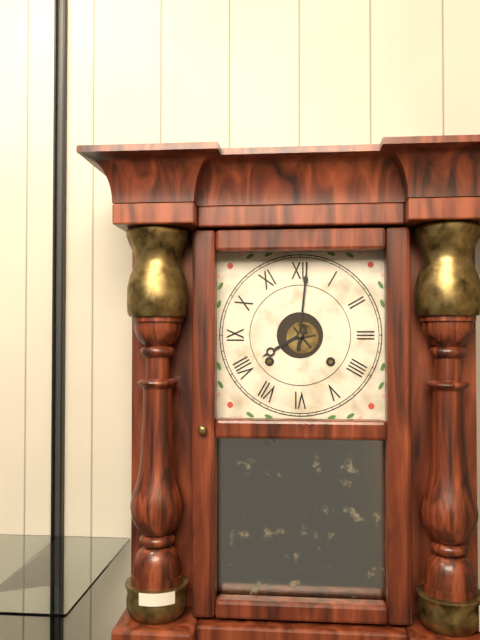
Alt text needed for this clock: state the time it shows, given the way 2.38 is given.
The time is 8.01
